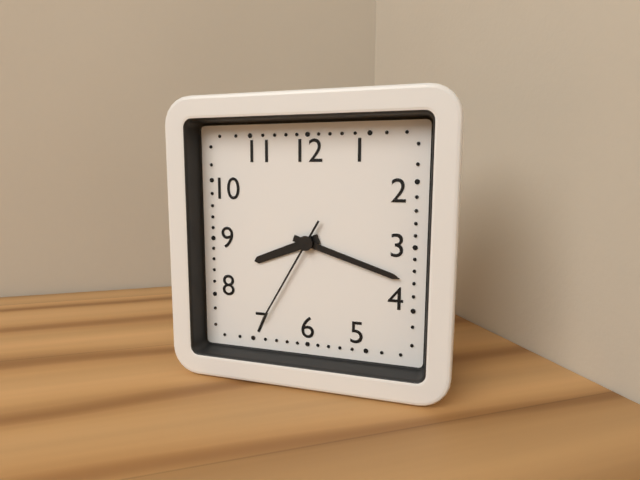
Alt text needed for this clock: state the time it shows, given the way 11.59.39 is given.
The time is 8.18.35
